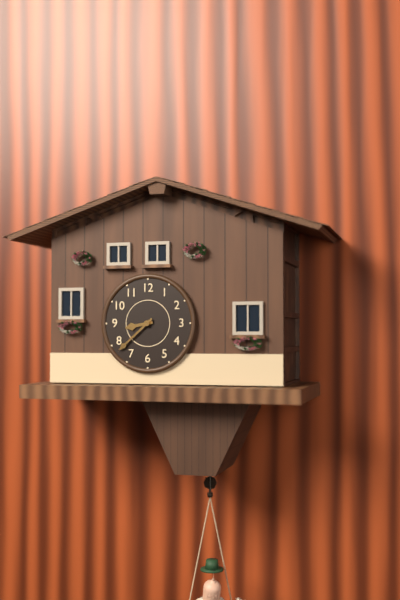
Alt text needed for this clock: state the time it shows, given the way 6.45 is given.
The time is 8.38
